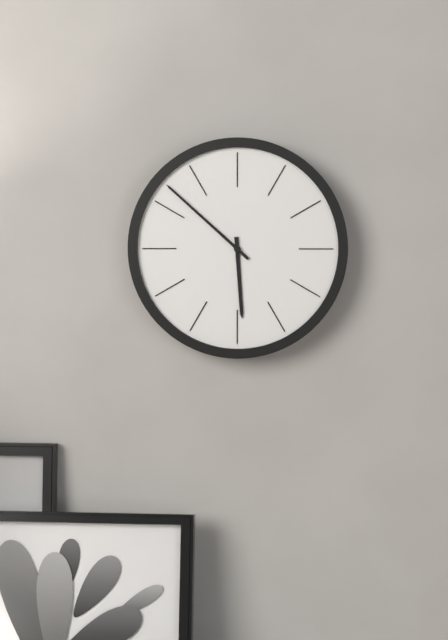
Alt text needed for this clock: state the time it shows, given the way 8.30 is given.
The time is 5.52
